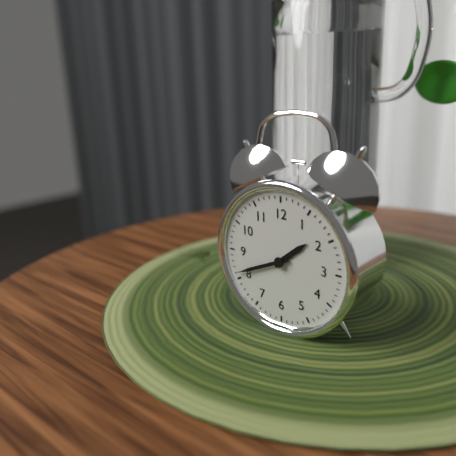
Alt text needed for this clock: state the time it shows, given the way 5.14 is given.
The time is 1.41
